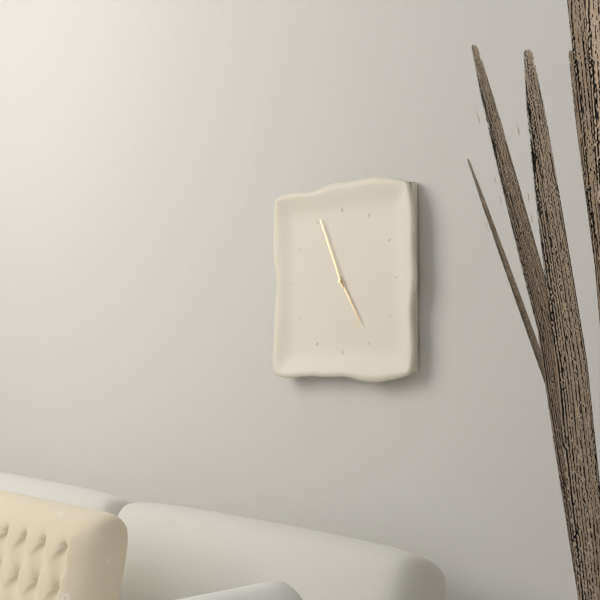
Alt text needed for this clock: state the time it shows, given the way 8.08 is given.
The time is 4.56
